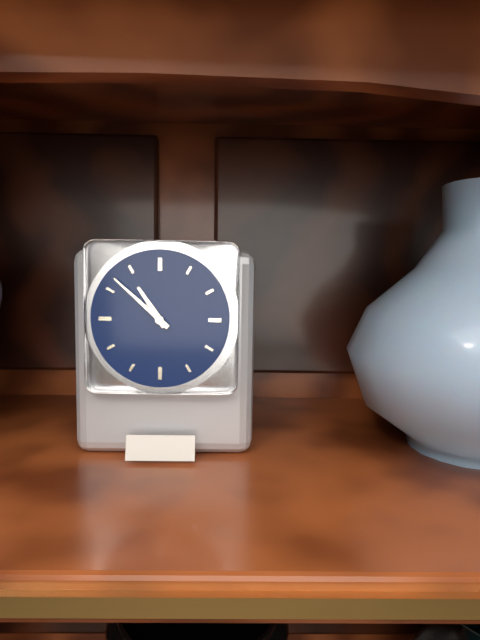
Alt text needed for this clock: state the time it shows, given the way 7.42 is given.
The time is 10.52
